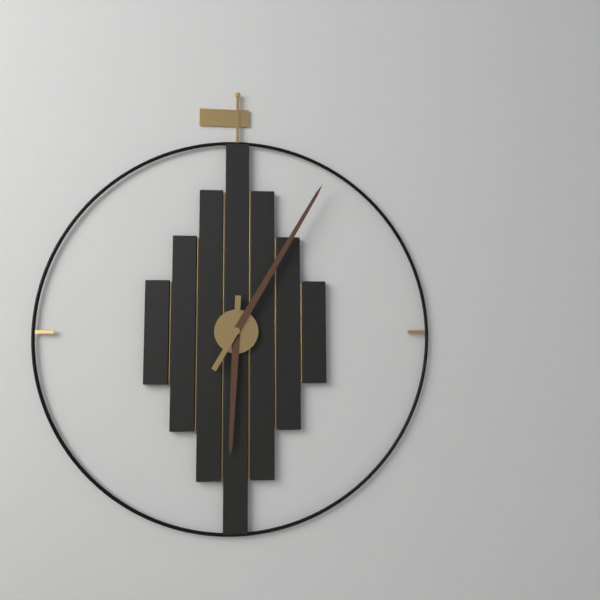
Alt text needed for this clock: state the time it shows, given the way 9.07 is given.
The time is 6.05
